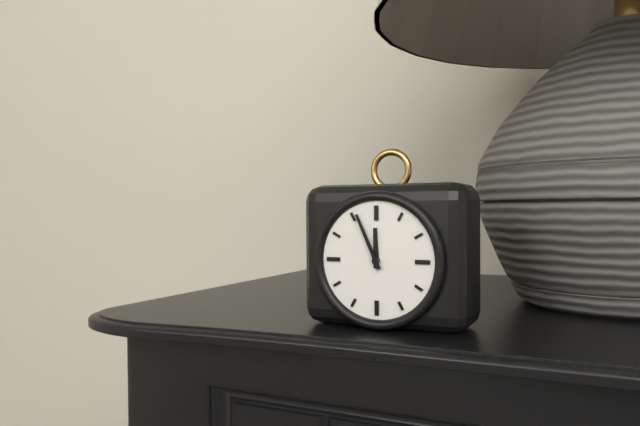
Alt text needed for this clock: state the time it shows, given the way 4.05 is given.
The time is 11.56
